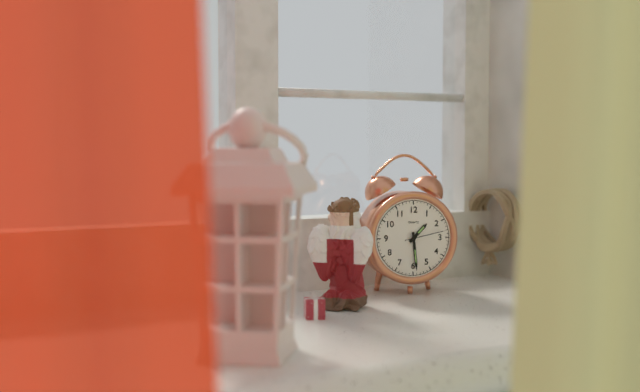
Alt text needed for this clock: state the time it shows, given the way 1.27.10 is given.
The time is 1.29.13
